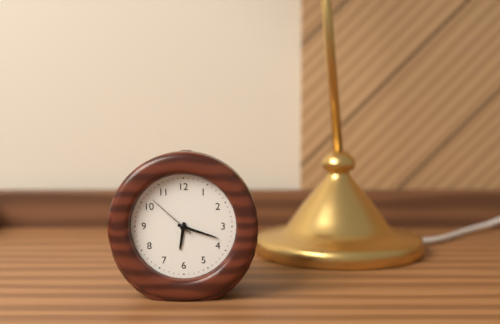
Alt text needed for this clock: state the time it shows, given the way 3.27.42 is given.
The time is 6.18.52
